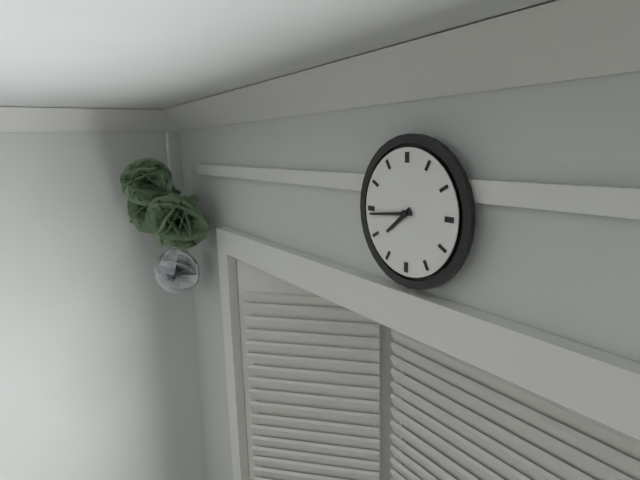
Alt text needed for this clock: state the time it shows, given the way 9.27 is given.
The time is 7.44
